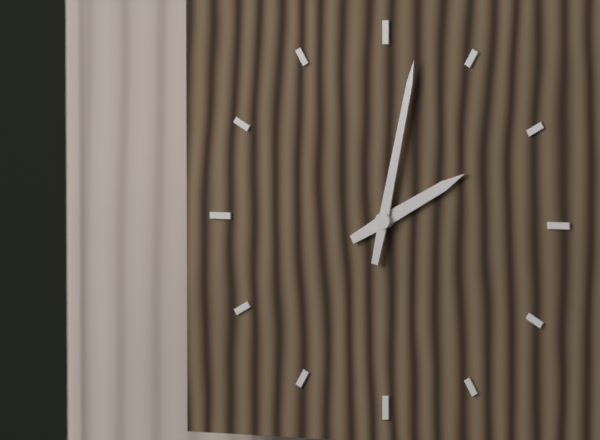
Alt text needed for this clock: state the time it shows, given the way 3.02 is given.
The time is 2.02
